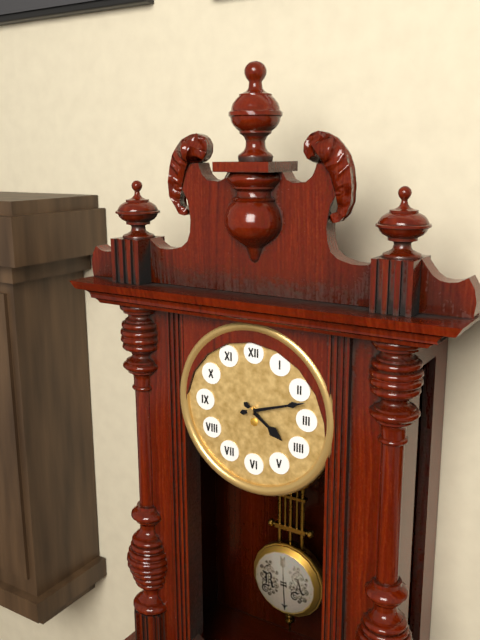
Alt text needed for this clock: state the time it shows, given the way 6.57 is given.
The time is 4.12
